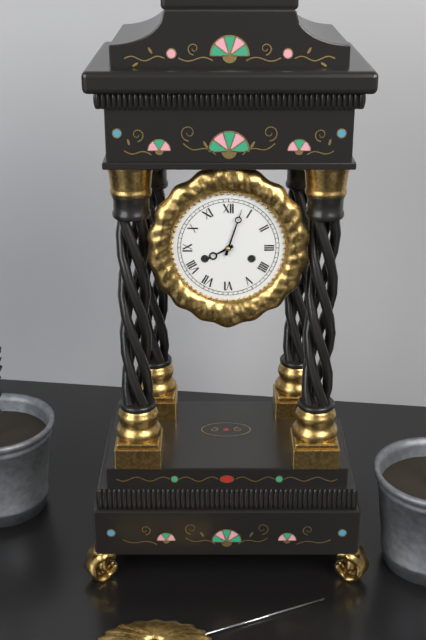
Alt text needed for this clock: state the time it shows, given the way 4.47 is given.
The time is 8.03
